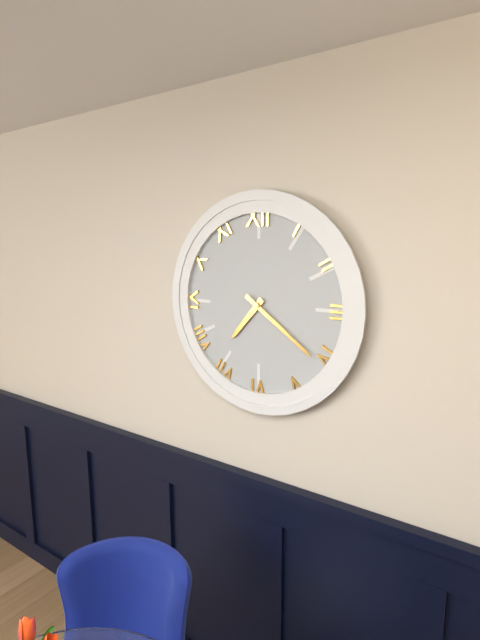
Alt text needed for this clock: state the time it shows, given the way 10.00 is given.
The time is 7.21
